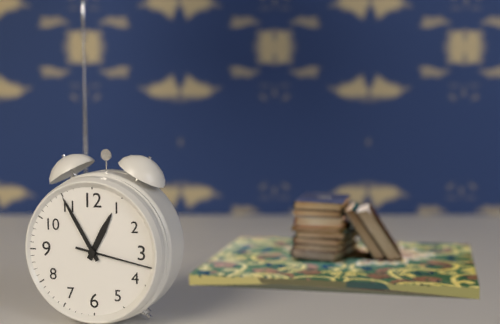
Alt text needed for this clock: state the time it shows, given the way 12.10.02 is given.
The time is 12.55.17
